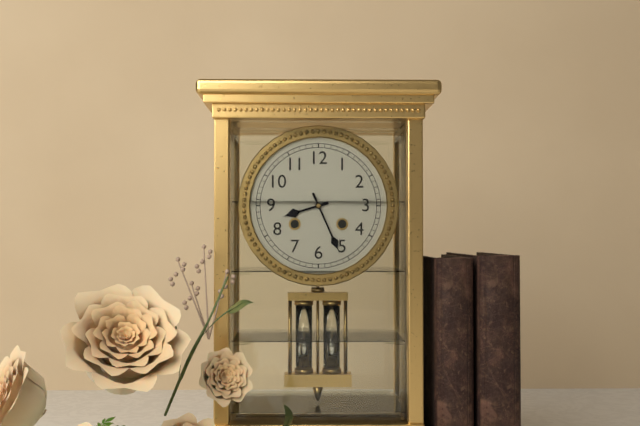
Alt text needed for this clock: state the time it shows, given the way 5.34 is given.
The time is 8.26
